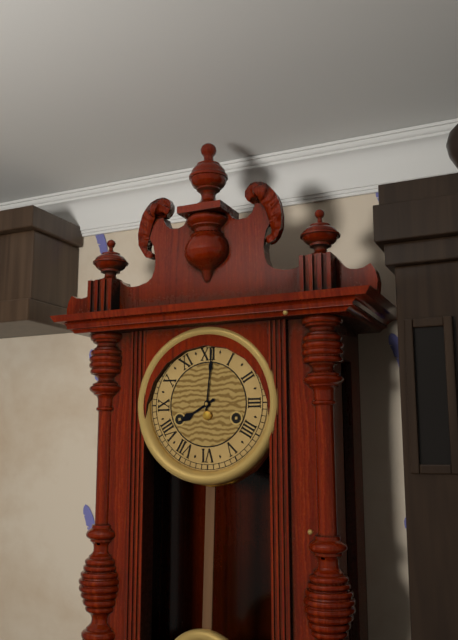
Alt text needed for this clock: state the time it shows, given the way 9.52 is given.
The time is 8.01
